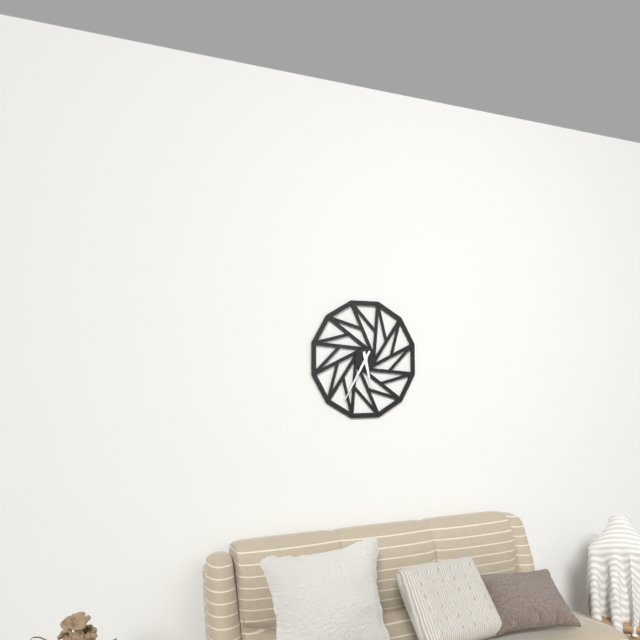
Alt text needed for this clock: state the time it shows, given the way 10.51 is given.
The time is 5.35
